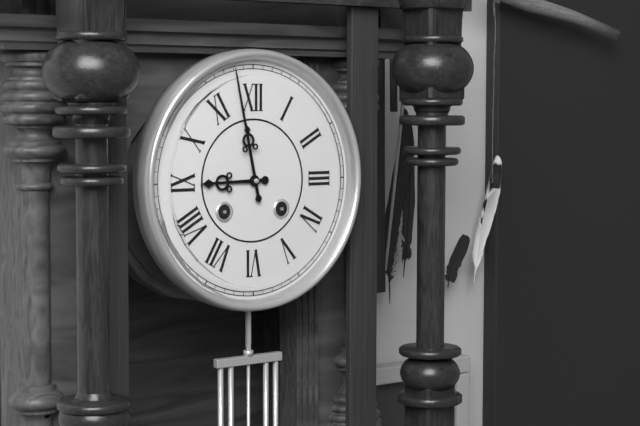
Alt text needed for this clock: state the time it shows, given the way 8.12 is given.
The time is 8.58
